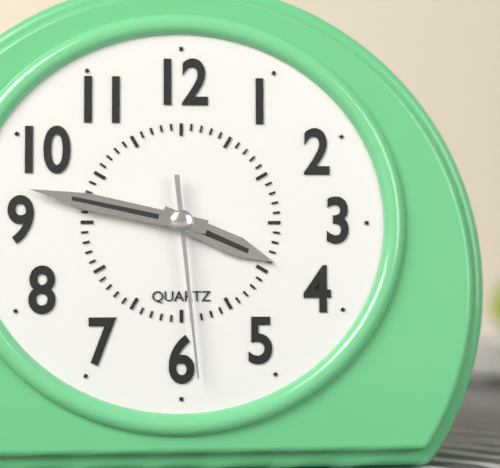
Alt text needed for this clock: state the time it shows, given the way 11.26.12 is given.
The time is 3.47.29
